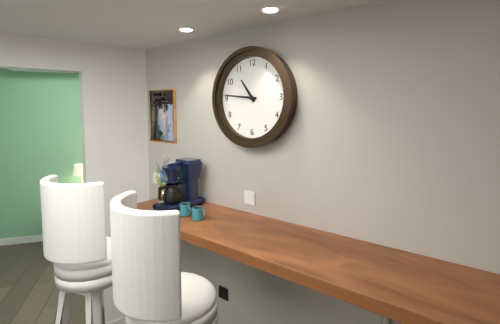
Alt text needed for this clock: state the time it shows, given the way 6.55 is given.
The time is 10.46
